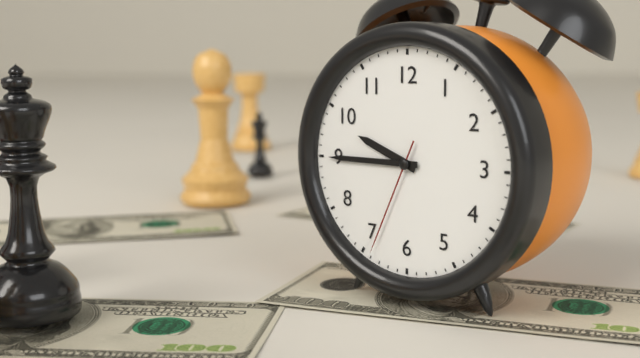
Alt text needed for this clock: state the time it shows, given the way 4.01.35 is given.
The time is 9.45.34
